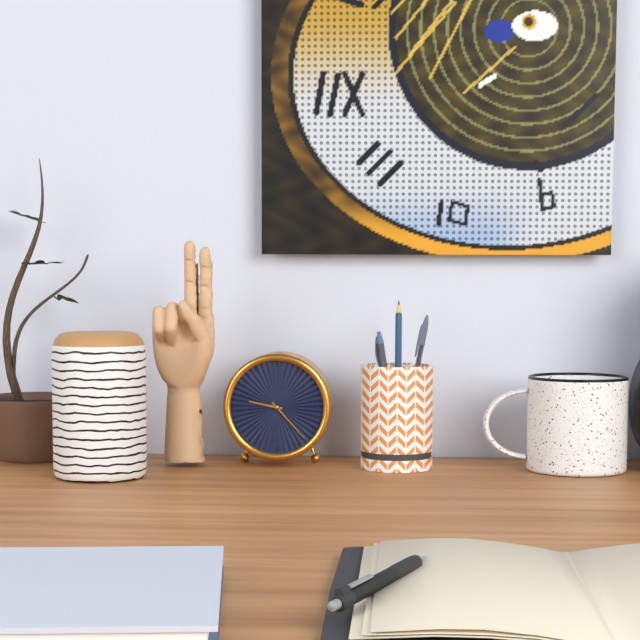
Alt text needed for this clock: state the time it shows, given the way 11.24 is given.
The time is 9.23
